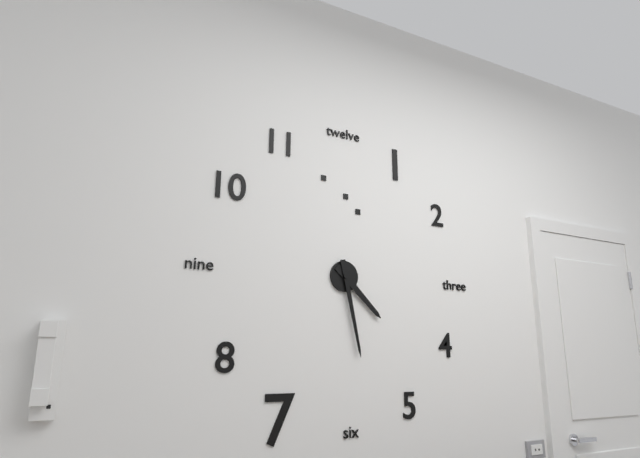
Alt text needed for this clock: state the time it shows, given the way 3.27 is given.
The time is 4.28
